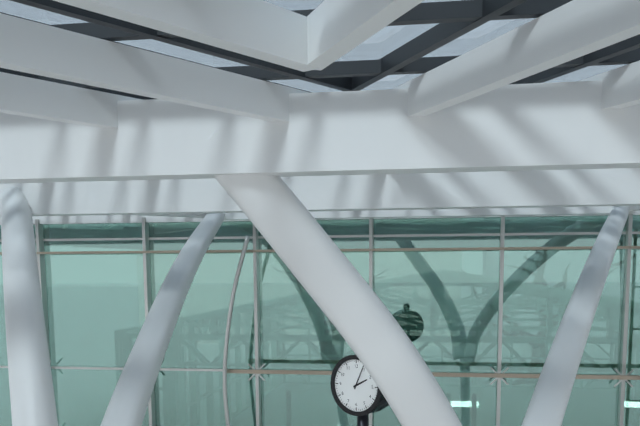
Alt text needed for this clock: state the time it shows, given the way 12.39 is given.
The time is 2.04
